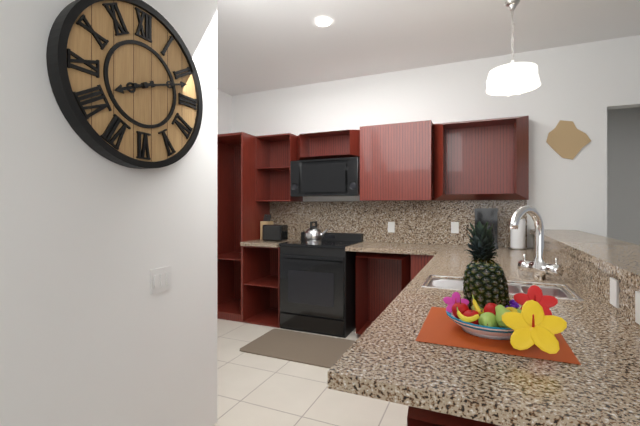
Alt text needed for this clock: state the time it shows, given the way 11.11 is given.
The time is 8.12
